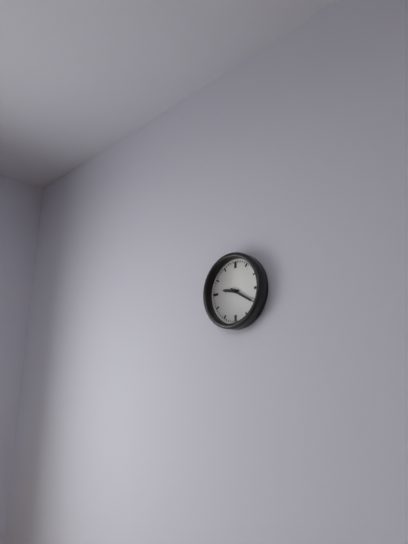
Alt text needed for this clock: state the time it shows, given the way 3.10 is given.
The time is 9.20
